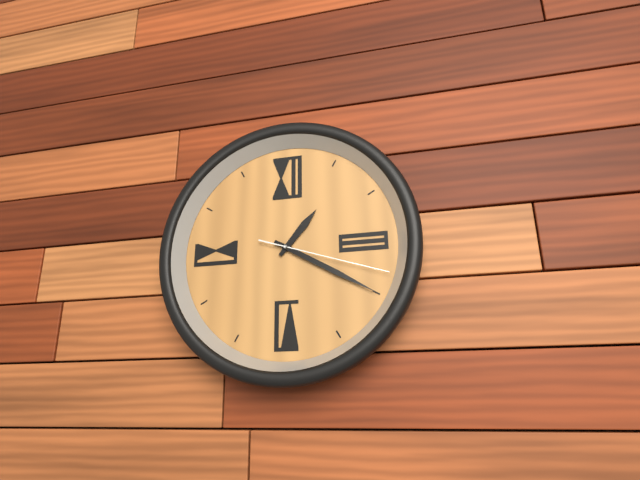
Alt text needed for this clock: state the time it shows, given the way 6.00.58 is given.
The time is 1.20.18
